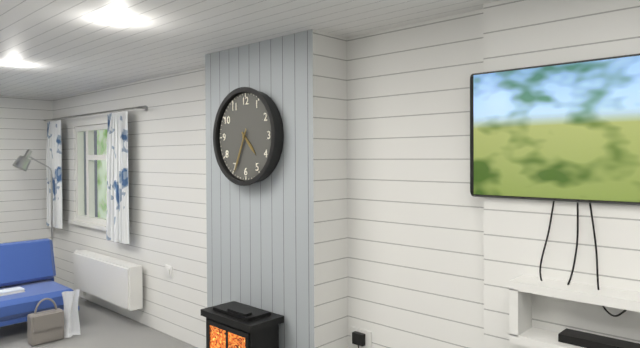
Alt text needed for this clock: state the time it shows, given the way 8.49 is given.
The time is 4.34
